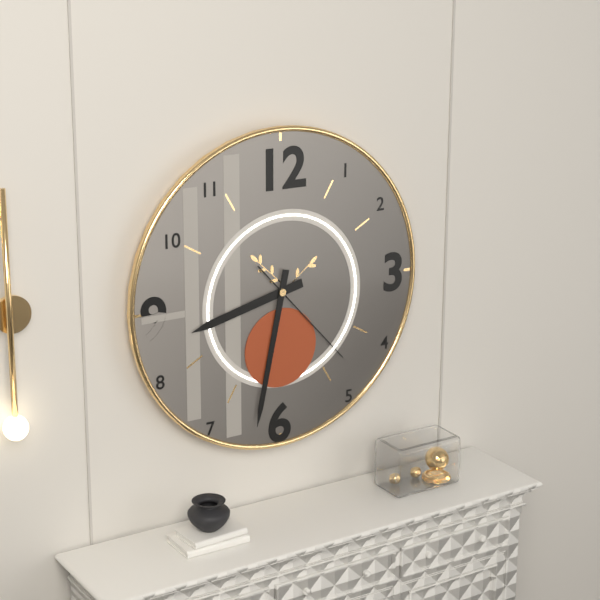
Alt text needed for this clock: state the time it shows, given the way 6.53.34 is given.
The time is 8.32.23
